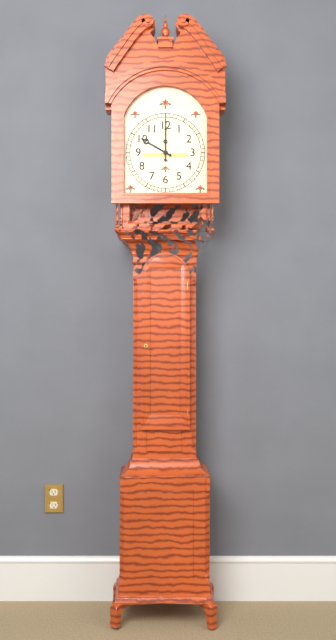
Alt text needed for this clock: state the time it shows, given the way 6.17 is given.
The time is 10.00
